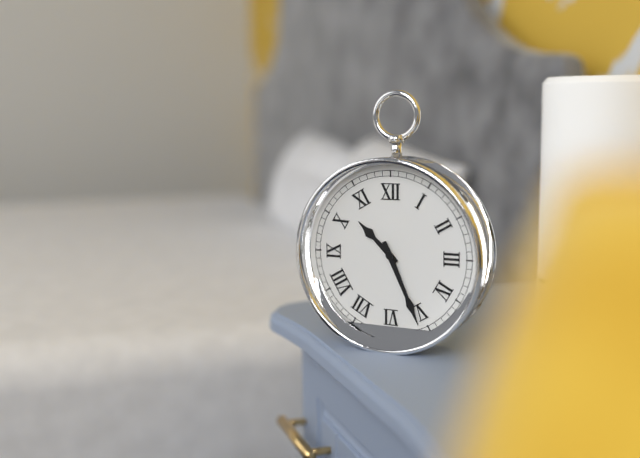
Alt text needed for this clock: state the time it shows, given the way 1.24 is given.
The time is 10.26
